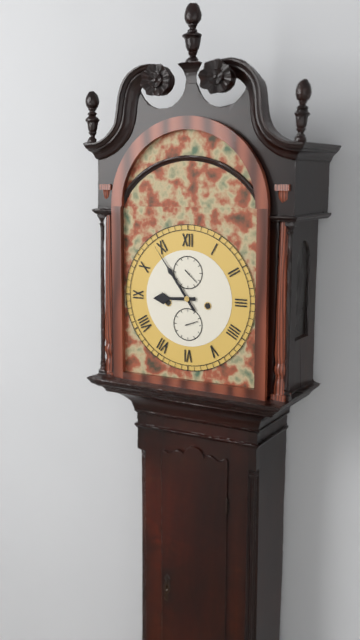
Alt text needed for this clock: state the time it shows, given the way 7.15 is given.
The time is 8.54
